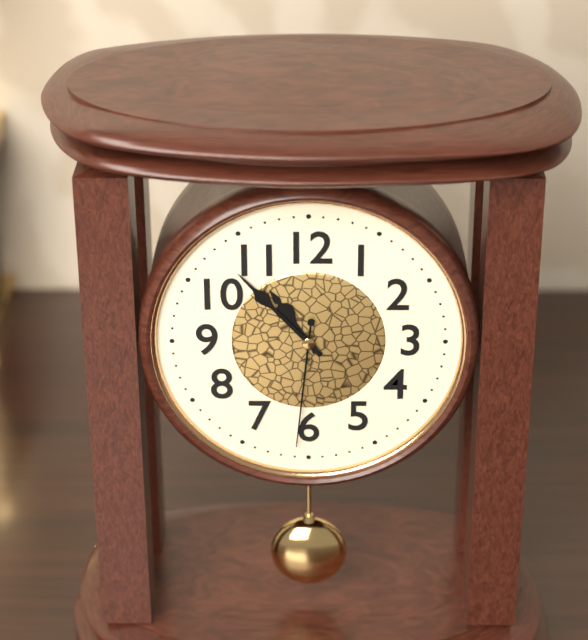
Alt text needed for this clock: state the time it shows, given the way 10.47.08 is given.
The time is 10.53.31
